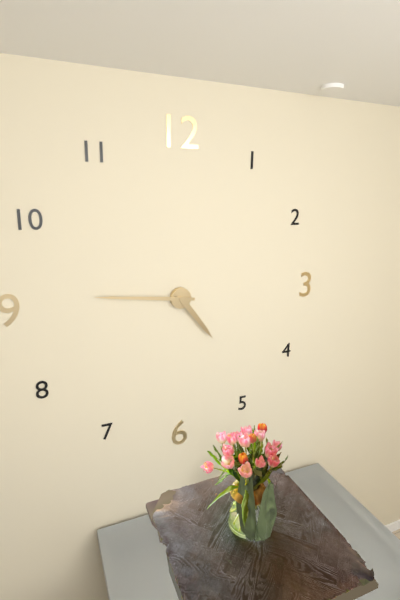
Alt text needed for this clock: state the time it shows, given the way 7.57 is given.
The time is 4.46
